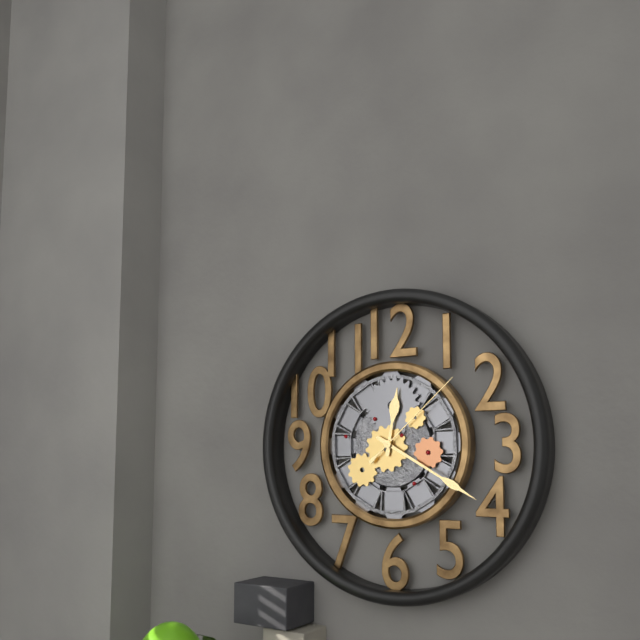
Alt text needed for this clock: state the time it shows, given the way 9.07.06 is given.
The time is 12.20.08
